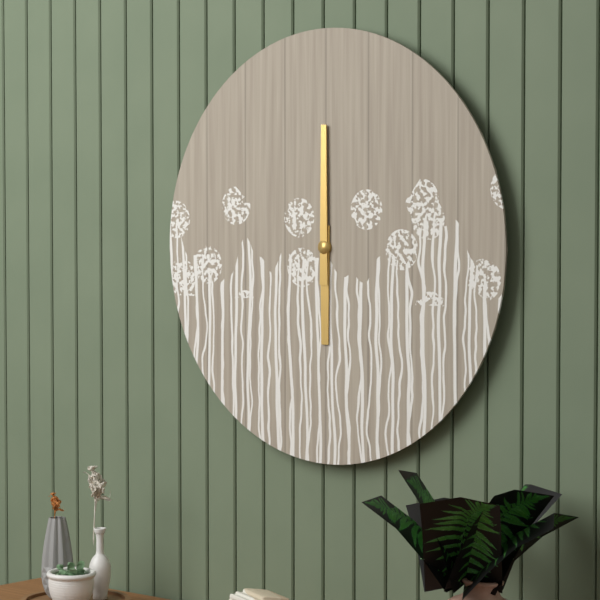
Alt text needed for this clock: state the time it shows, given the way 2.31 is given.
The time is 6.00
